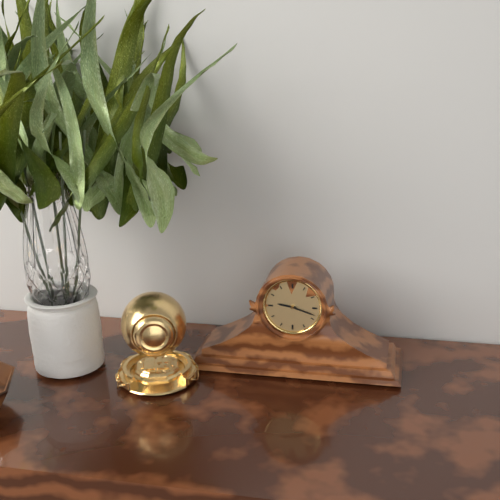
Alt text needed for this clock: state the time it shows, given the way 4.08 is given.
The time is 9.18
